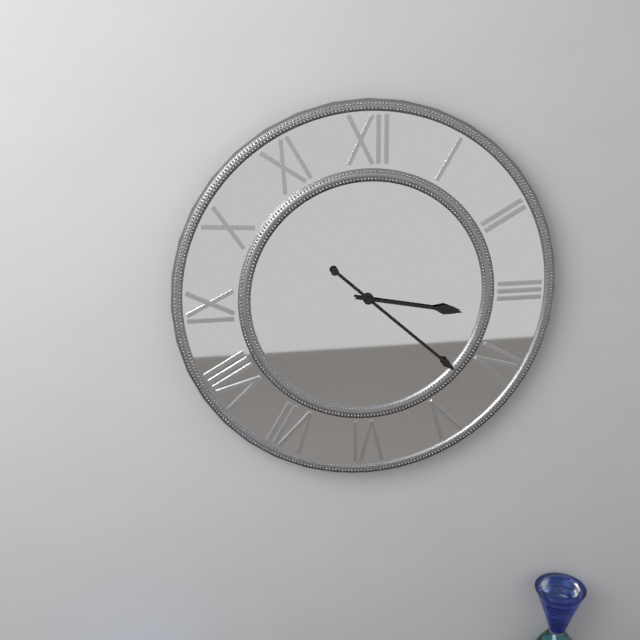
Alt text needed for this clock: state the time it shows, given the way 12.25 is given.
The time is 3.22
